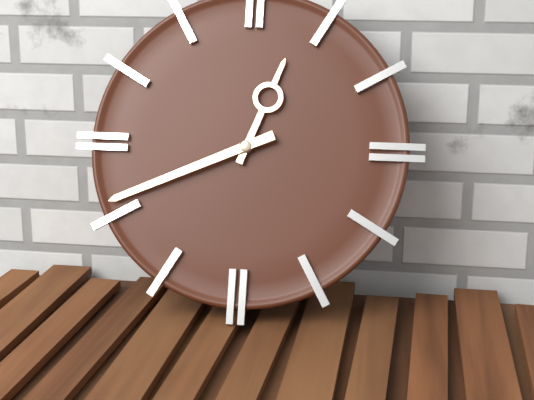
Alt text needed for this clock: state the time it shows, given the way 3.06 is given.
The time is 12.41
